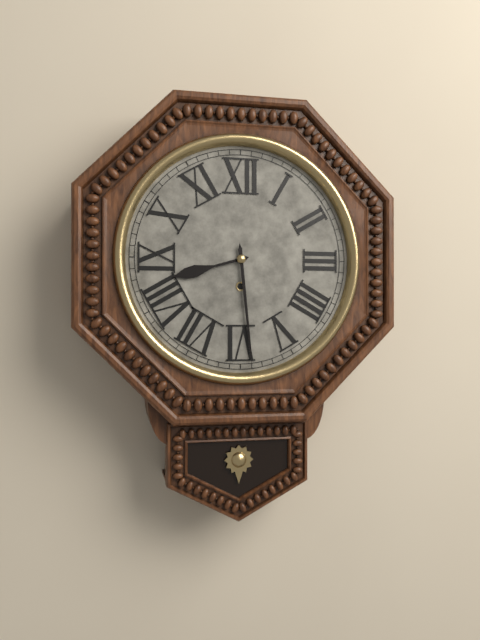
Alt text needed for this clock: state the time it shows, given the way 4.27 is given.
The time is 8.29
